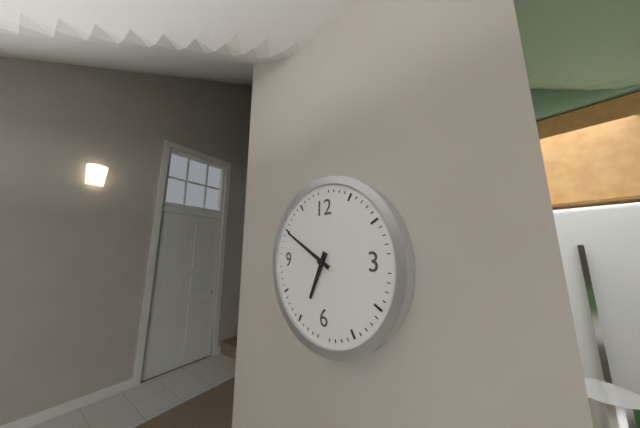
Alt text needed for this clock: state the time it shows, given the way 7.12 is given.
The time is 6.50
